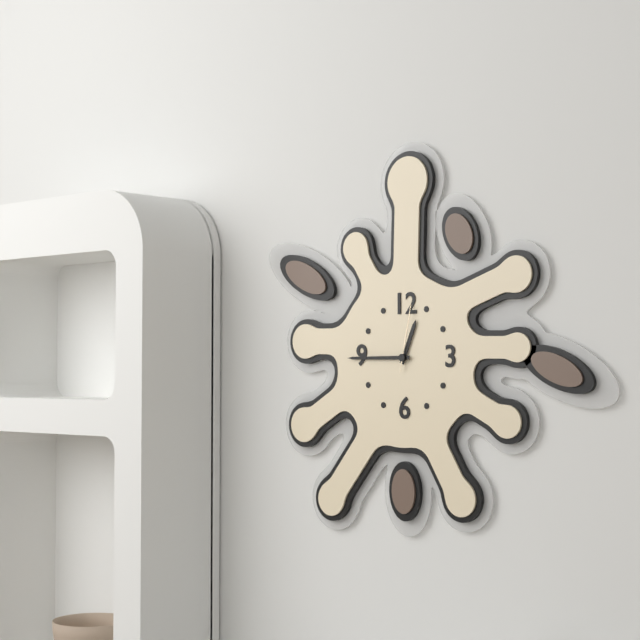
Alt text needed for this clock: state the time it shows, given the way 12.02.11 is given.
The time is 12.45.02
